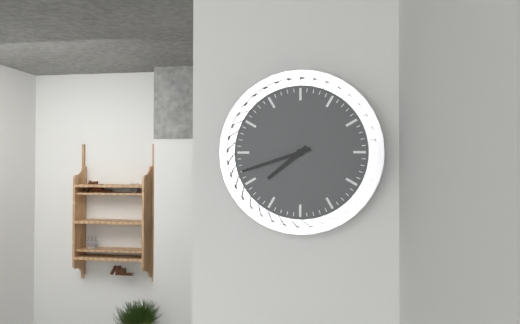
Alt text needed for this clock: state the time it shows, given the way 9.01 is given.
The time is 7.42
